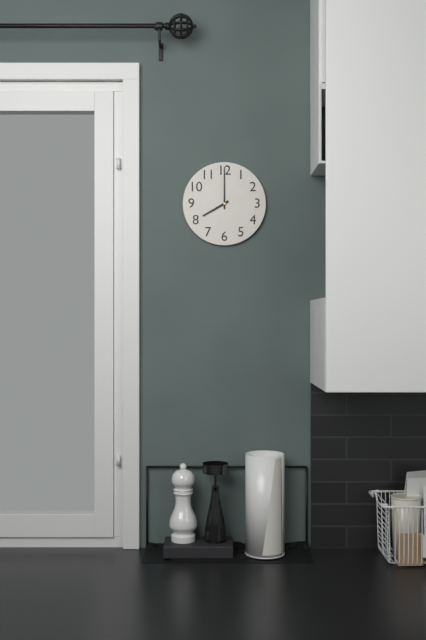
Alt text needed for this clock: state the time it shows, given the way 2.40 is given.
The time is 8.00
